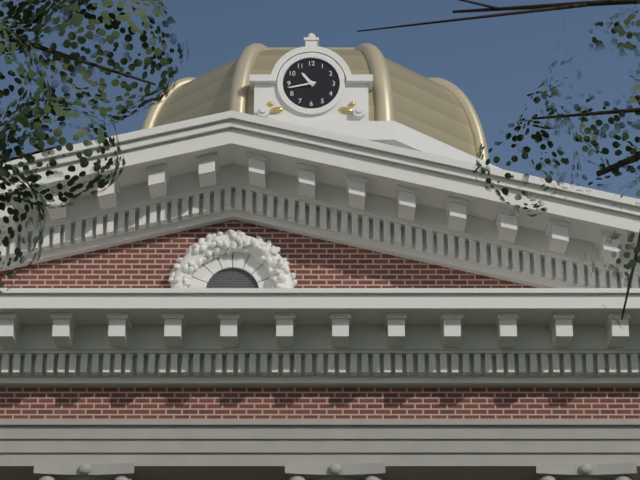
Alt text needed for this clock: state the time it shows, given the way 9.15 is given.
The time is 10.43
